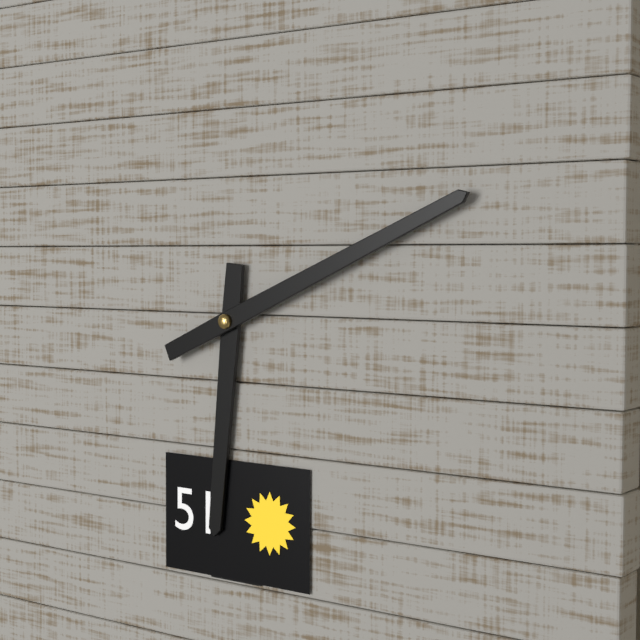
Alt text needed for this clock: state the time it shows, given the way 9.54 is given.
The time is 6.11
